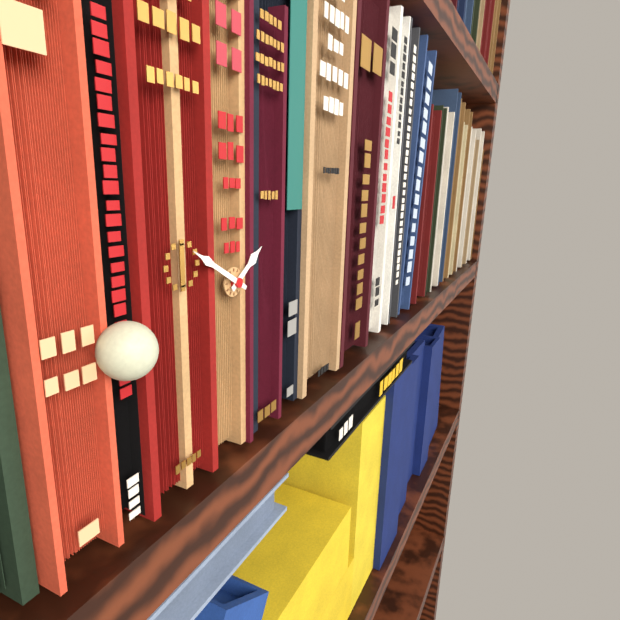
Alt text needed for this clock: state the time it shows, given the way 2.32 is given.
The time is 1.50
